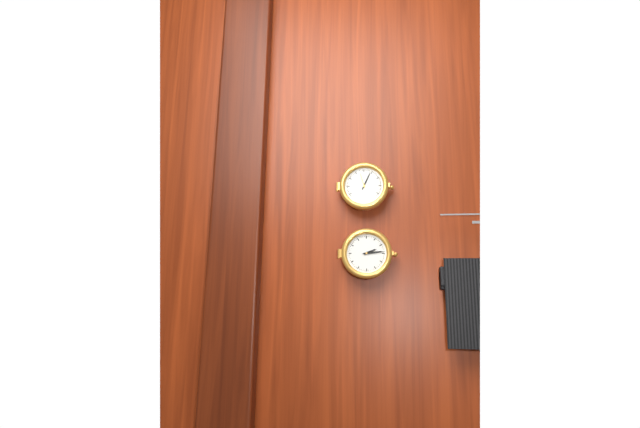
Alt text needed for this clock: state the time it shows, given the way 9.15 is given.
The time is 2.14
